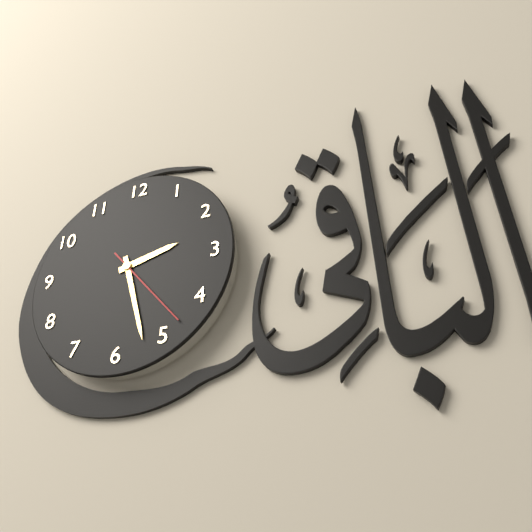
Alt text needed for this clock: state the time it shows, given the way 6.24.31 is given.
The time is 2.27.23
